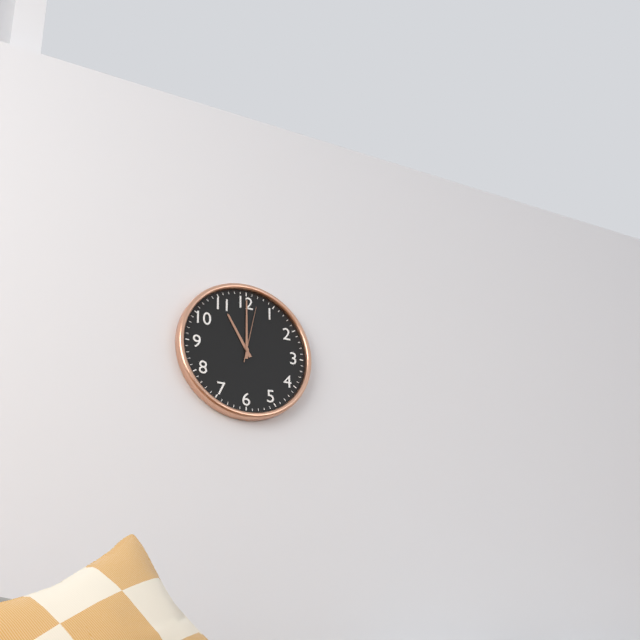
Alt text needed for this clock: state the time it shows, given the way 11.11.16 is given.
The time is 11.00.02
